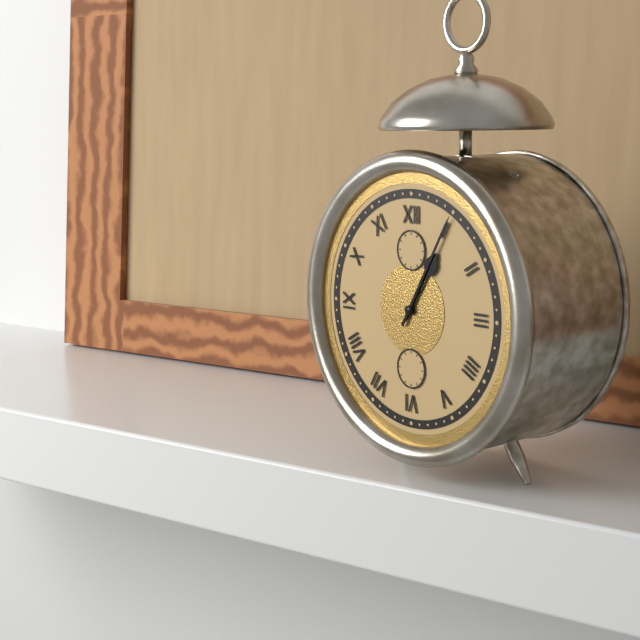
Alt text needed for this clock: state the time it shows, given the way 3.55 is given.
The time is 1.05
